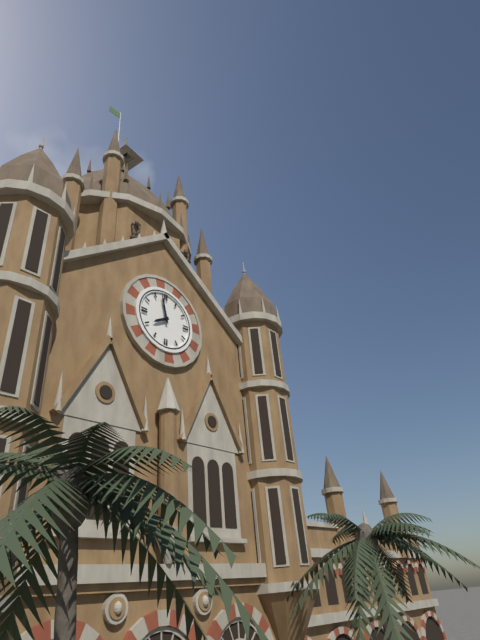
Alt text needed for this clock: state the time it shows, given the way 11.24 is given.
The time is 7.58
